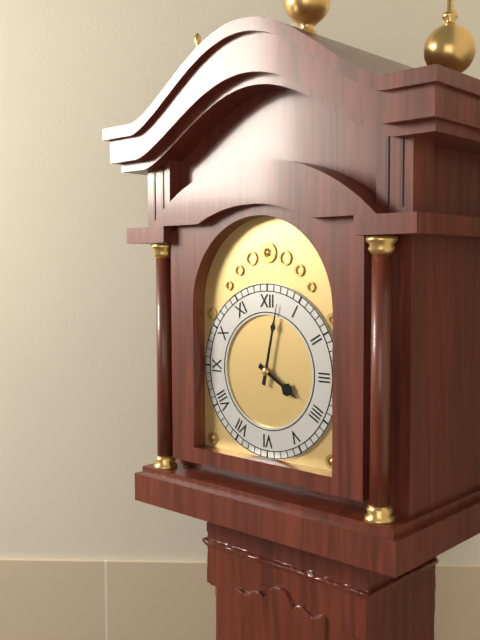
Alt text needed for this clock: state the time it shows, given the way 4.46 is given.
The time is 4.02
